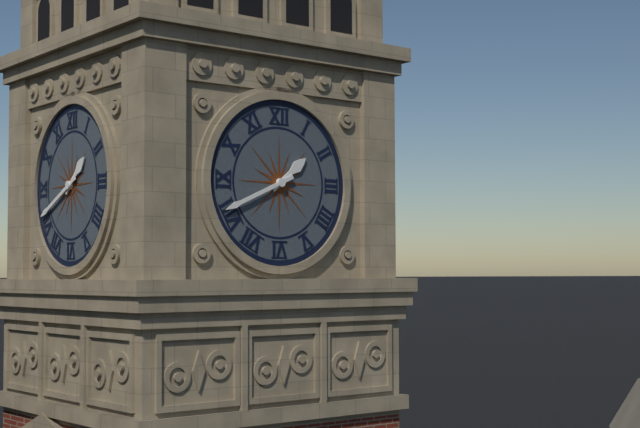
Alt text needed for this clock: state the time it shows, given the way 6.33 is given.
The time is 1.41
